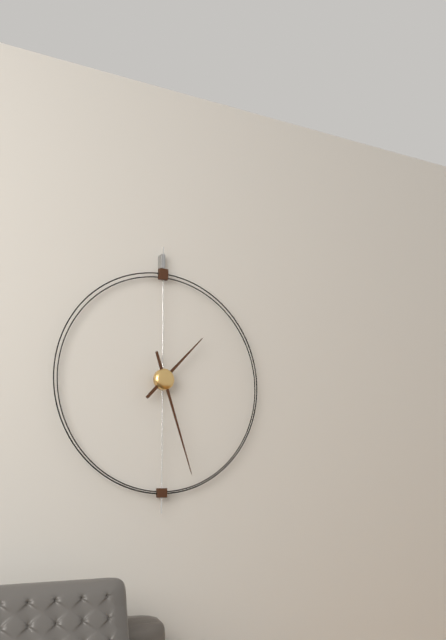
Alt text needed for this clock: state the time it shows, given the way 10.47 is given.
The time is 1.27
